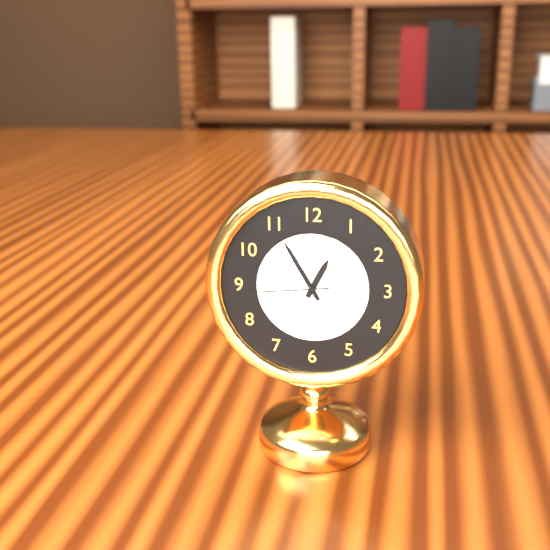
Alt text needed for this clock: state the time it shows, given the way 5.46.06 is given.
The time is 12.55.44
